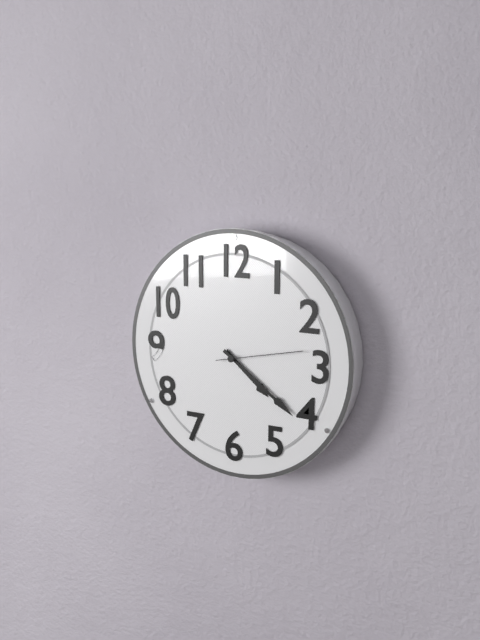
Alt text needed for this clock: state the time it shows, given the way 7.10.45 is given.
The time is 4.21.13
